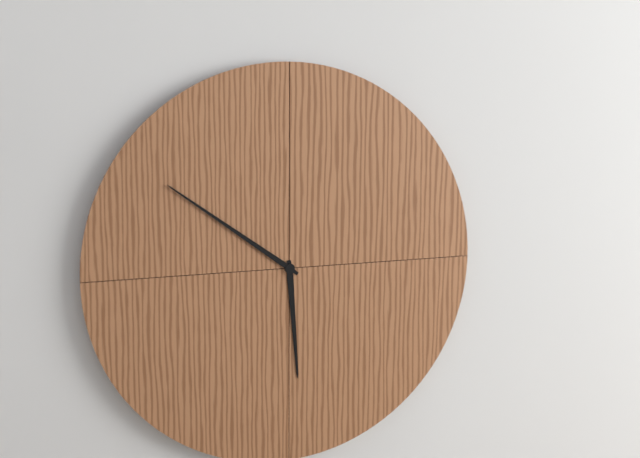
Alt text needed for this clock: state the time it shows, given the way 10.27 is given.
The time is 5.51
